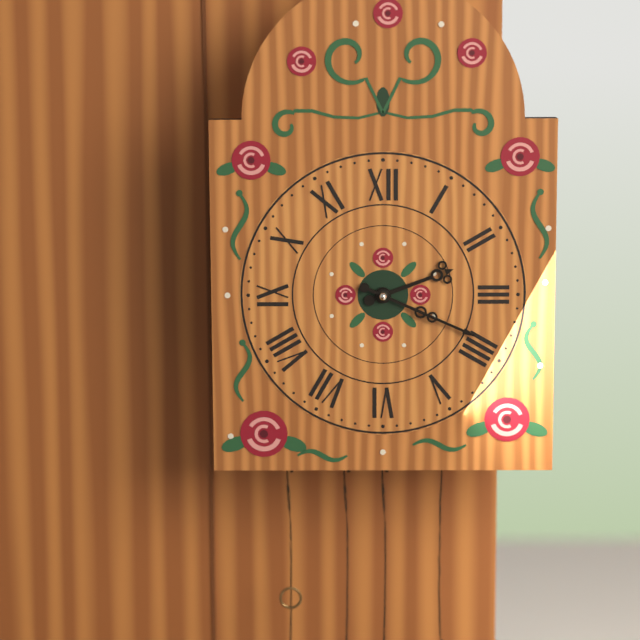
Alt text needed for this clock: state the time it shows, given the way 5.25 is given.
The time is 2.19
